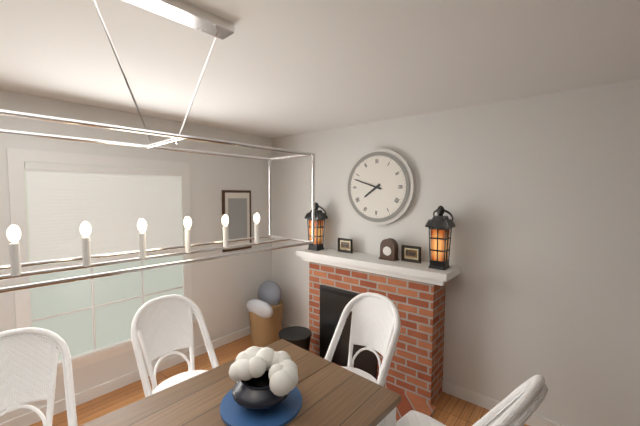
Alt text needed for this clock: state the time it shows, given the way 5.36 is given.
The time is 7.48
